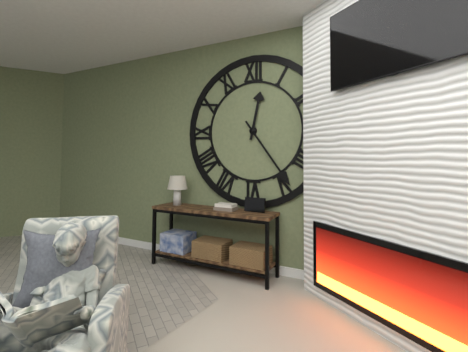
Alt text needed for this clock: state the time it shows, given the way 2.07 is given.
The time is 12.24
